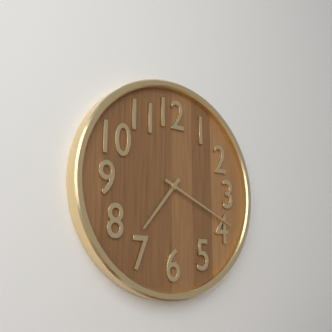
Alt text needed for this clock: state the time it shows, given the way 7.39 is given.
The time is 7.19
